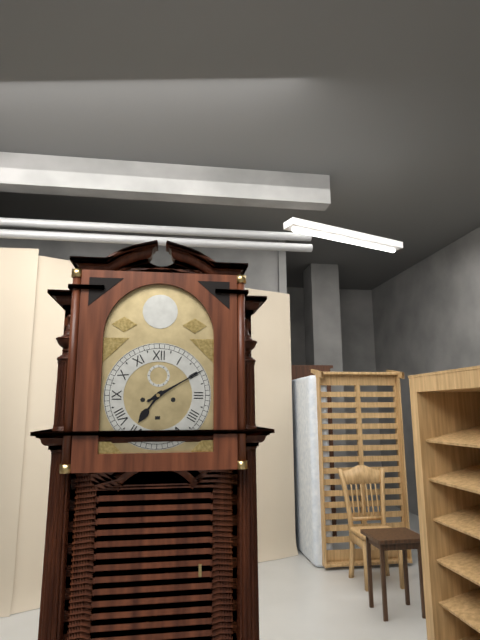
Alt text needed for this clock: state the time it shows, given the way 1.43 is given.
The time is 7.10
